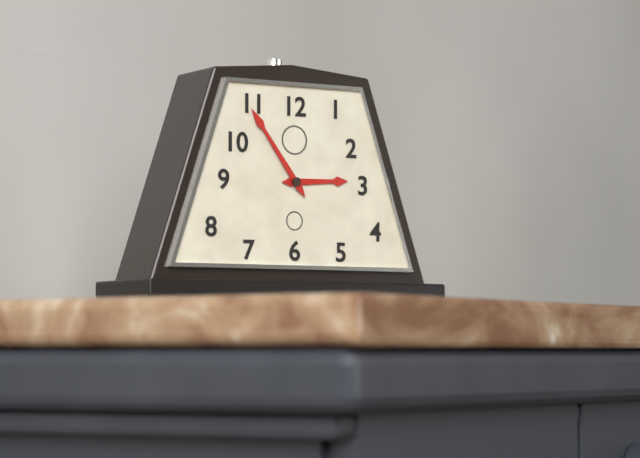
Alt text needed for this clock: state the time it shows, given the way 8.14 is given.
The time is 2.54
